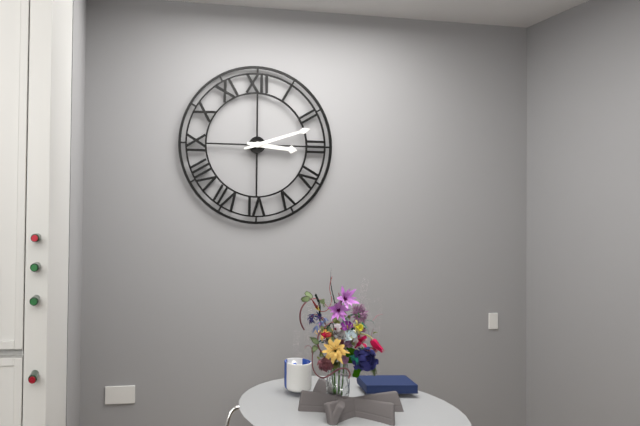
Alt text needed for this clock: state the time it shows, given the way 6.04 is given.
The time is 3.12
